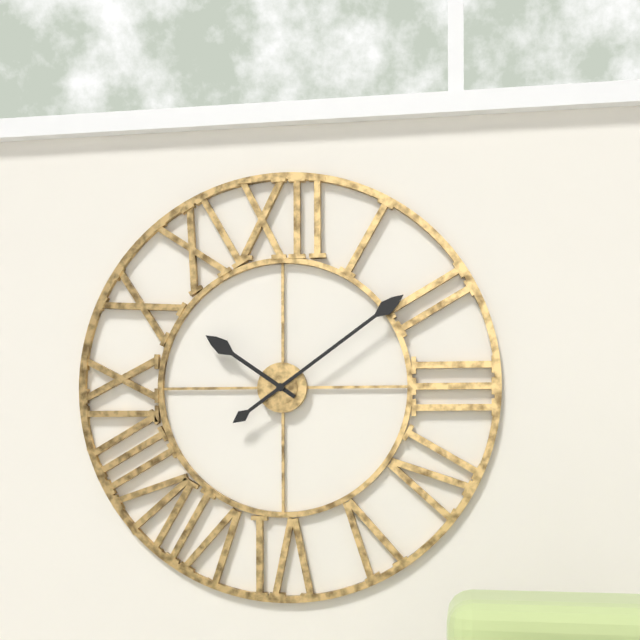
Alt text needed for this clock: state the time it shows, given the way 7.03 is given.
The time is 10.09
